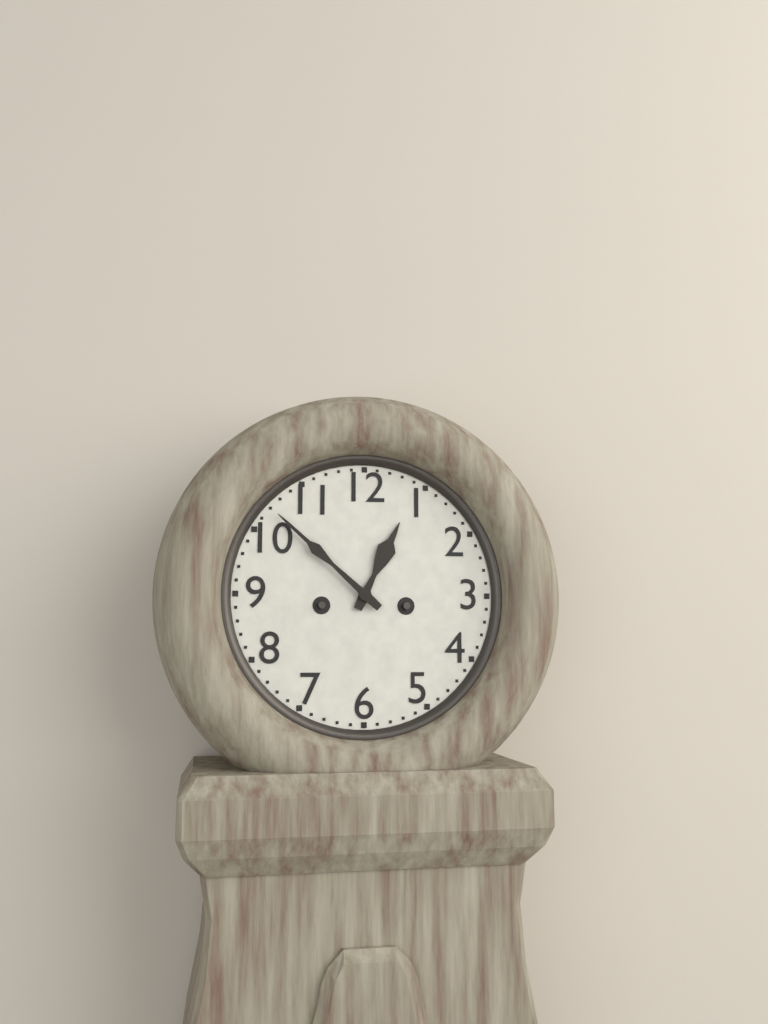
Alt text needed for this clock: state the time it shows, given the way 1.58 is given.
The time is 12.52
